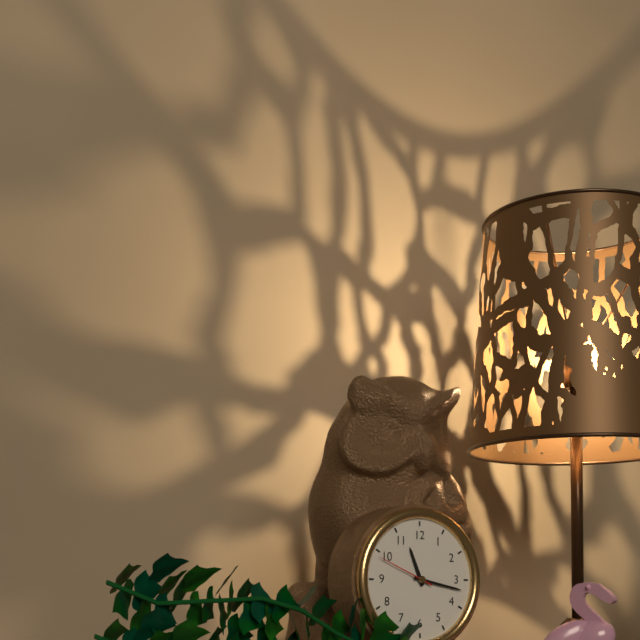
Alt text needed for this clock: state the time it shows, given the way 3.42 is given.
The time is 11.17
